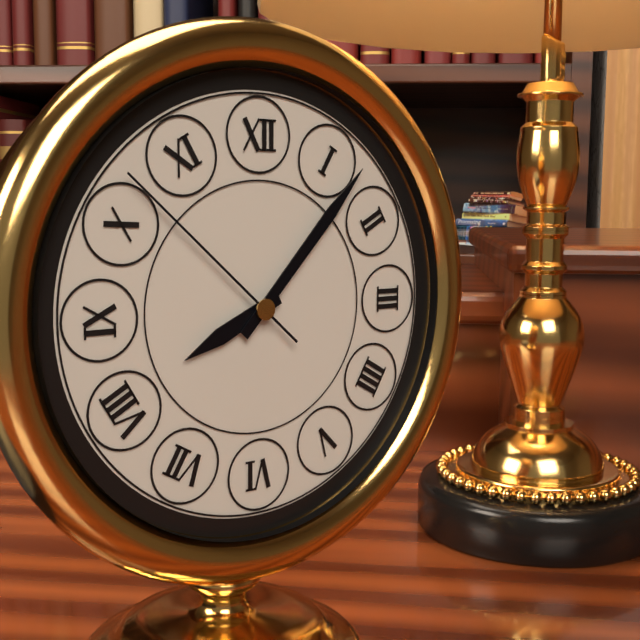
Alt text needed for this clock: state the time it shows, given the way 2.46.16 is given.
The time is 8.07.52
